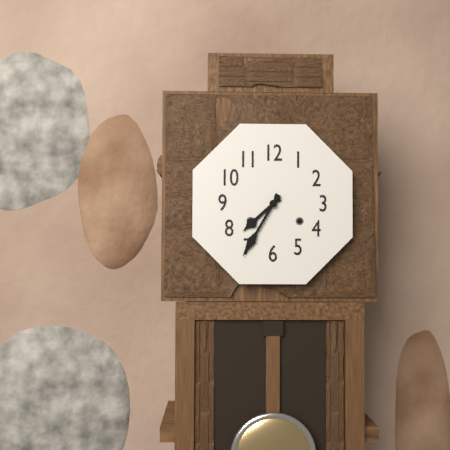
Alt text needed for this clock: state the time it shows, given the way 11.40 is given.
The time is 7.35
